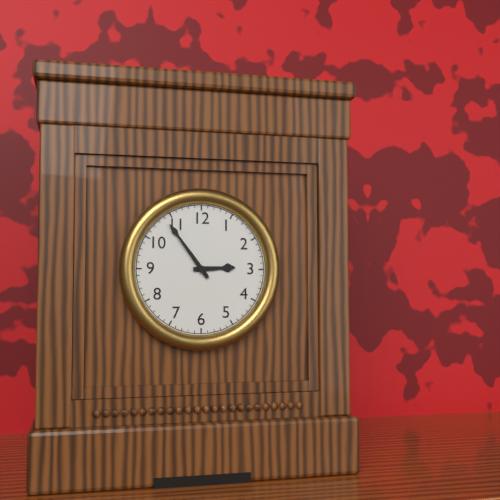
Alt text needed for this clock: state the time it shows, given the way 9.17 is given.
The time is 2.54
